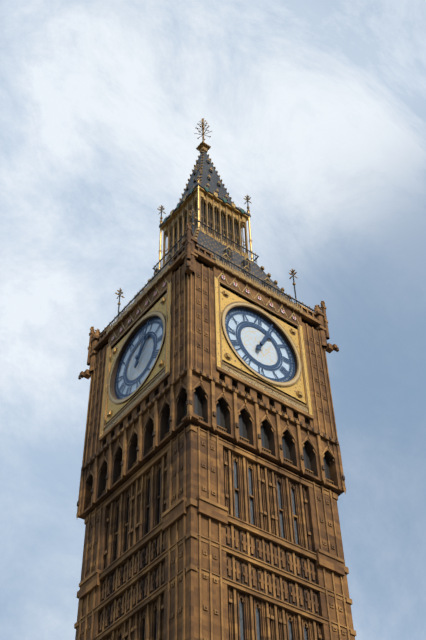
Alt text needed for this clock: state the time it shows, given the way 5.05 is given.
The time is 1.04
